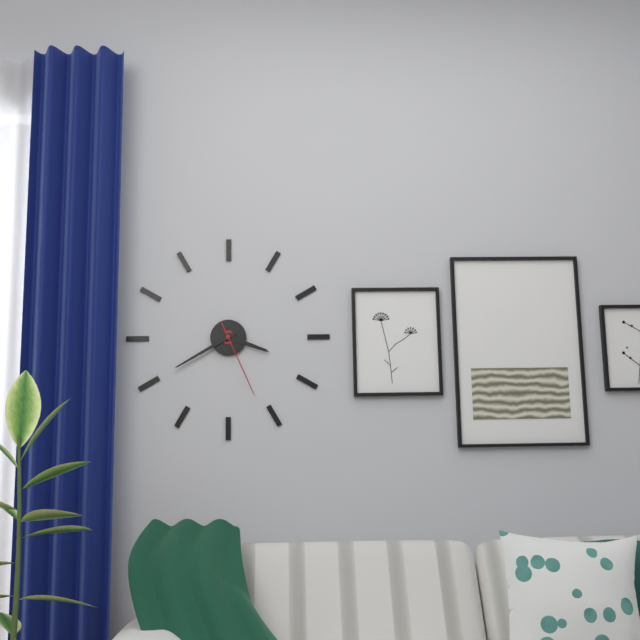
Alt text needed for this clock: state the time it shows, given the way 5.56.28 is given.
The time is 3.40.26
